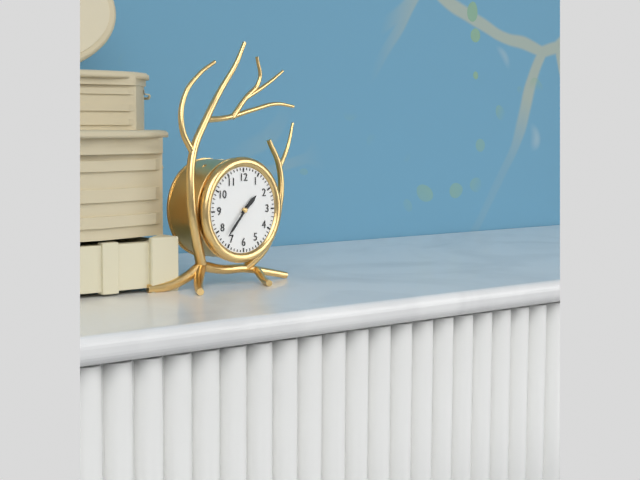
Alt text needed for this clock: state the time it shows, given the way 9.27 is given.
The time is 1.37
